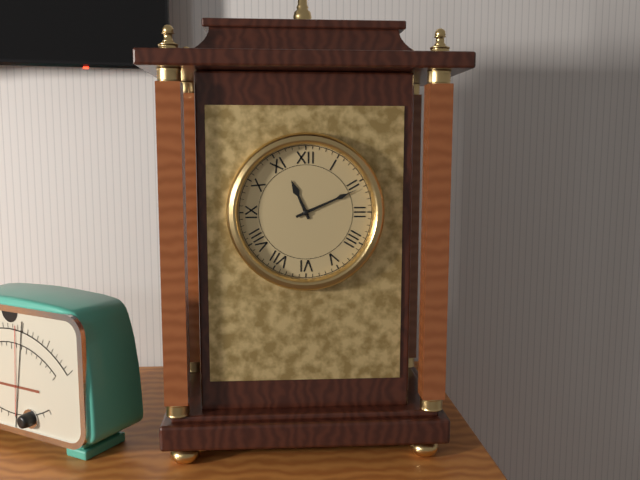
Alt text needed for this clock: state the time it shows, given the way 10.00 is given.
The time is 11.11
